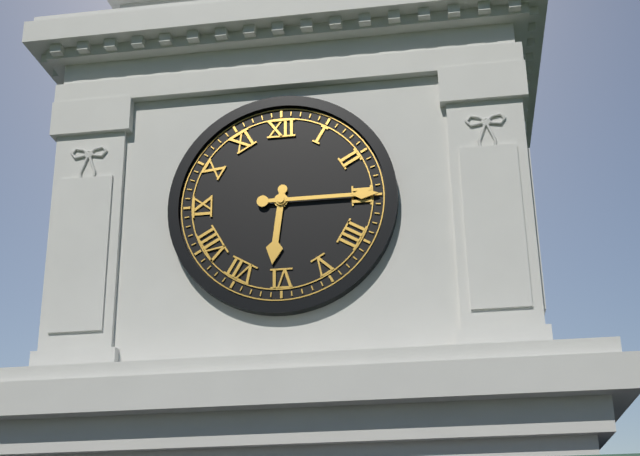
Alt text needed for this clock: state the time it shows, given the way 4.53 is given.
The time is 6.15
